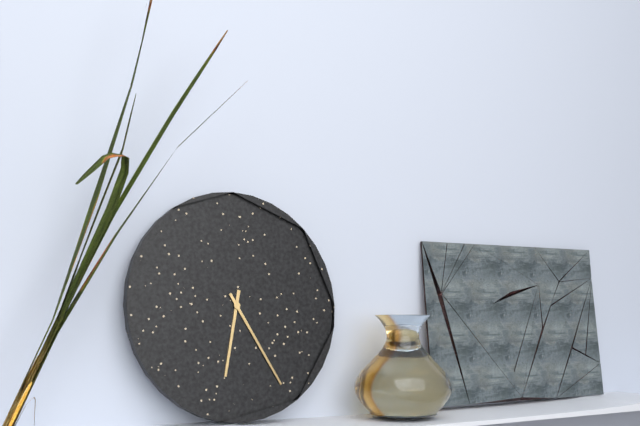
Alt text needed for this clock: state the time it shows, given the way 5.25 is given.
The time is 6.25
